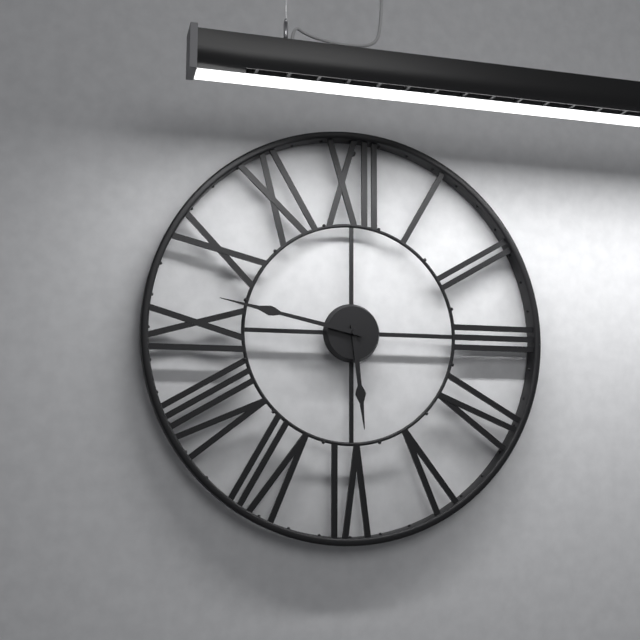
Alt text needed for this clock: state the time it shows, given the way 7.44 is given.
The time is 5.47
